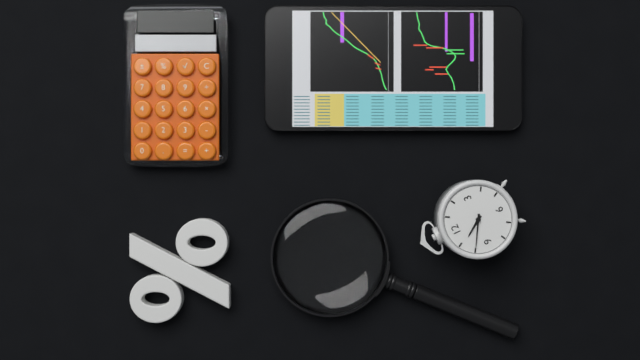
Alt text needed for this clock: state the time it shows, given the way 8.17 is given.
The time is 10.50
